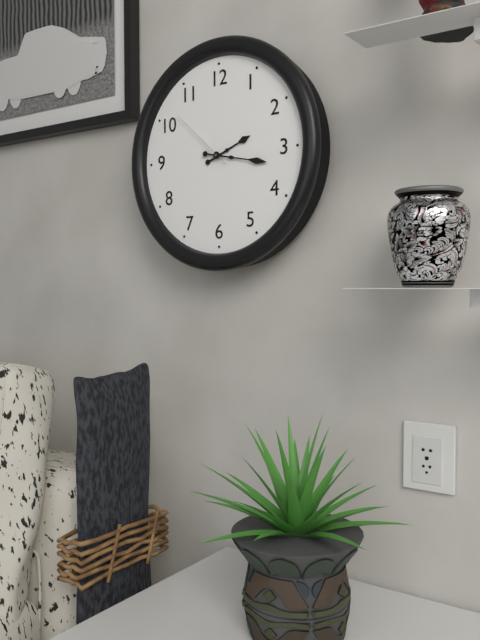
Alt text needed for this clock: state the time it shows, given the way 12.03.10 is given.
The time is 2.17.52
